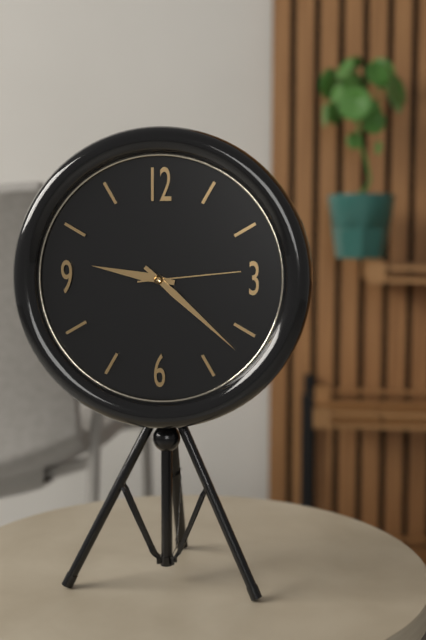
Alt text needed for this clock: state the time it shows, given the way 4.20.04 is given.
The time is 9.22.14
